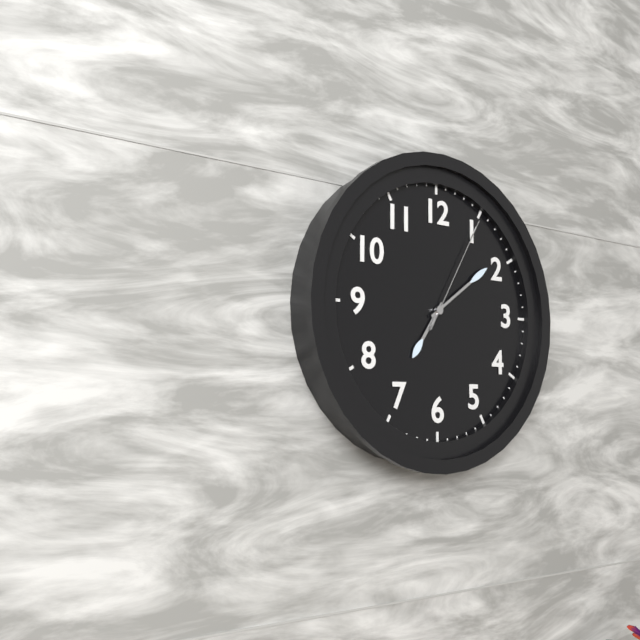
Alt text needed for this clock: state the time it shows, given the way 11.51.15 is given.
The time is 7.09.05
